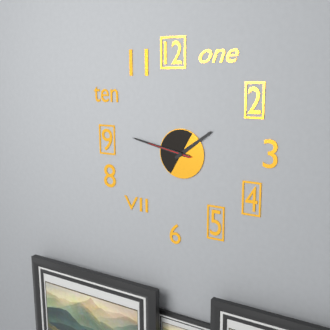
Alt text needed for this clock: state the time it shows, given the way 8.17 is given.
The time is 1.47
